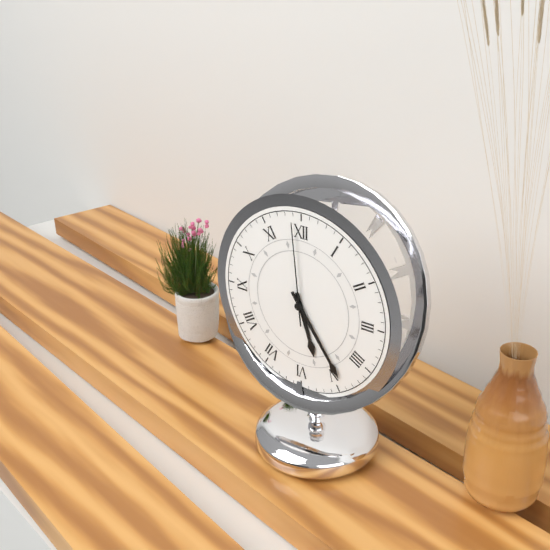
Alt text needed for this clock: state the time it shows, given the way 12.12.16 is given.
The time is 5.24.59
